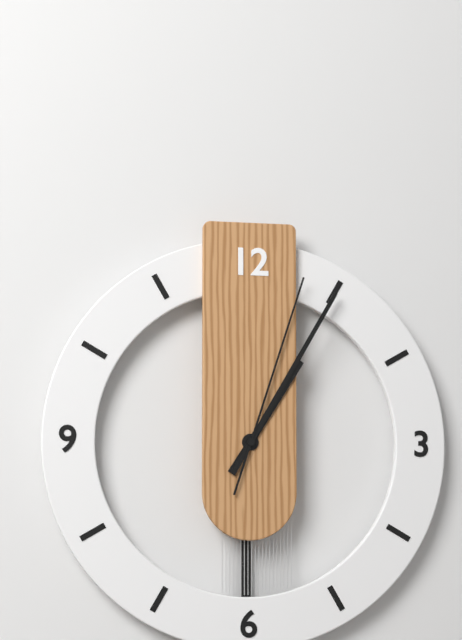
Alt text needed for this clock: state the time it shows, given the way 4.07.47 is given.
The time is 1.05.03
